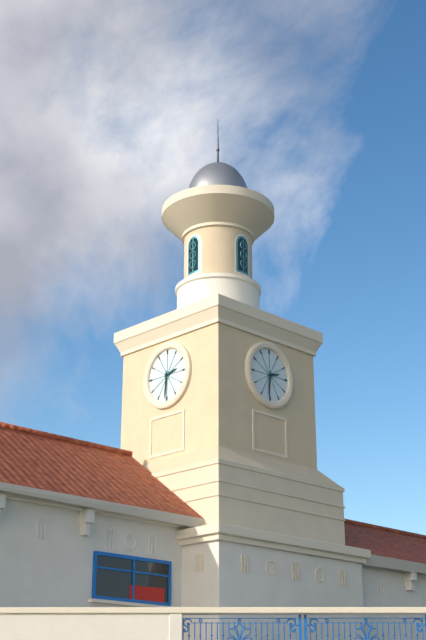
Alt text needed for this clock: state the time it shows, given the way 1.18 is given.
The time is 2.31
